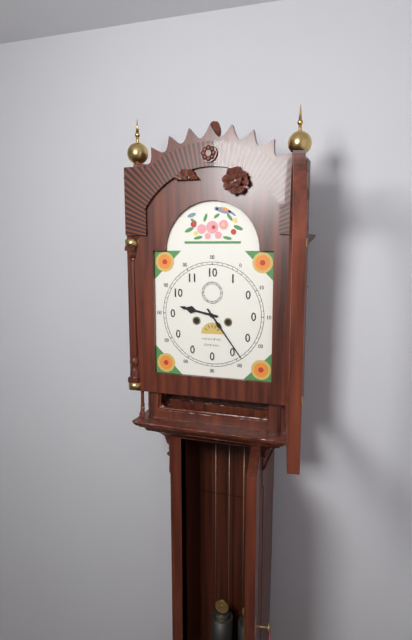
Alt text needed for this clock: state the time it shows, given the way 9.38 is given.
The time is 9.24
